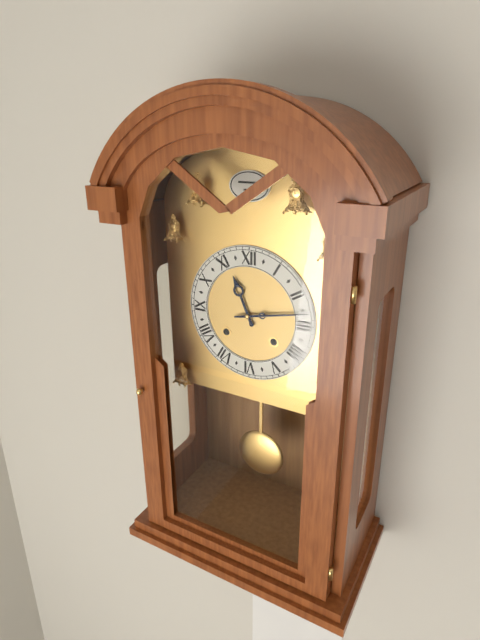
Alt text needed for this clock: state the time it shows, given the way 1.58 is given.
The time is 11.13
